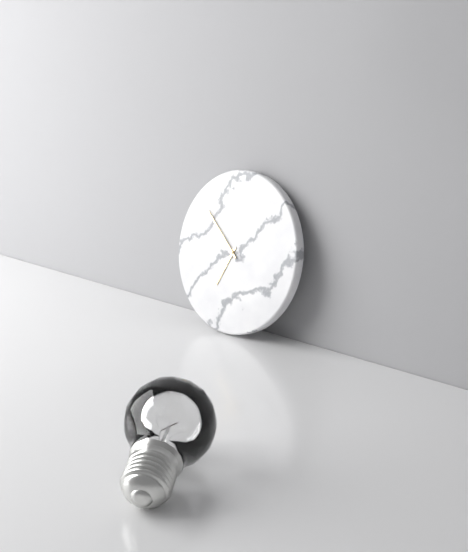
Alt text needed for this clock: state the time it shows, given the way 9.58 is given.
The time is 6.52
